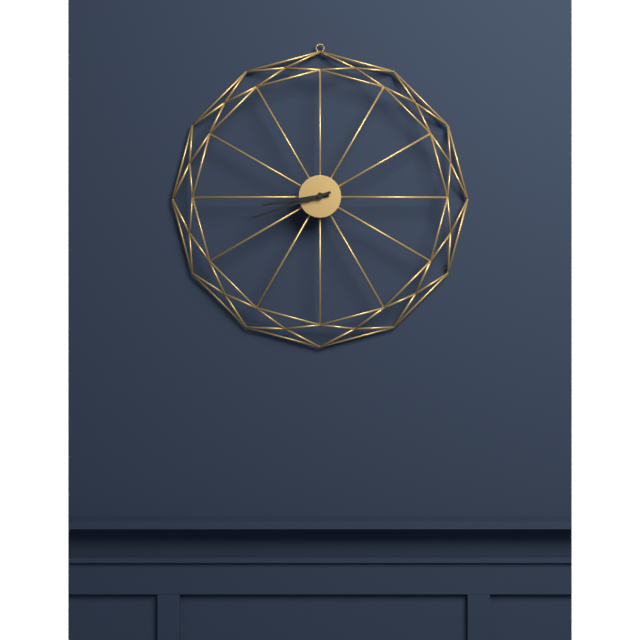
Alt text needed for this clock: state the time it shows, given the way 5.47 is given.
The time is 8.42
